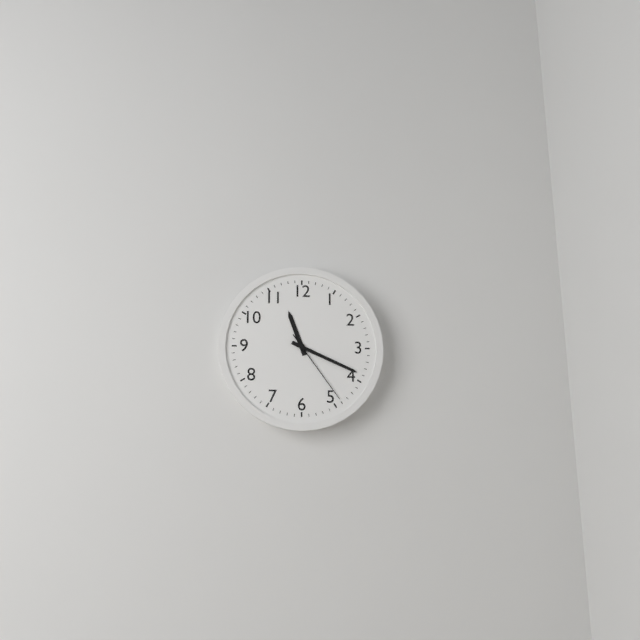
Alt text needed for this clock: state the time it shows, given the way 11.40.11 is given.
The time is 11.19.24
